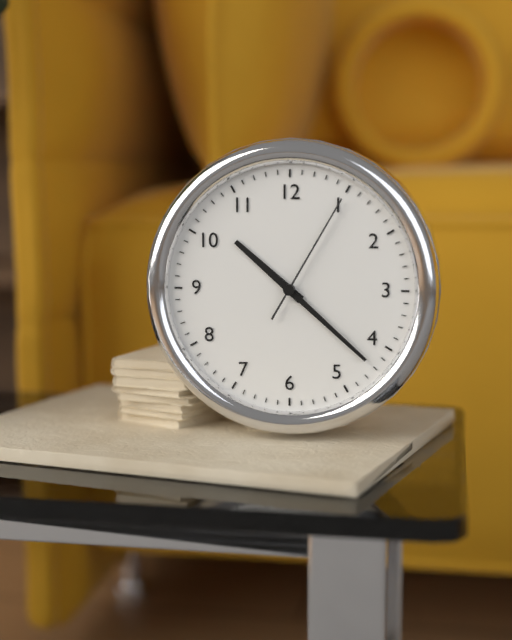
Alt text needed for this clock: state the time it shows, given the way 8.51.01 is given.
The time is 10.22.05
